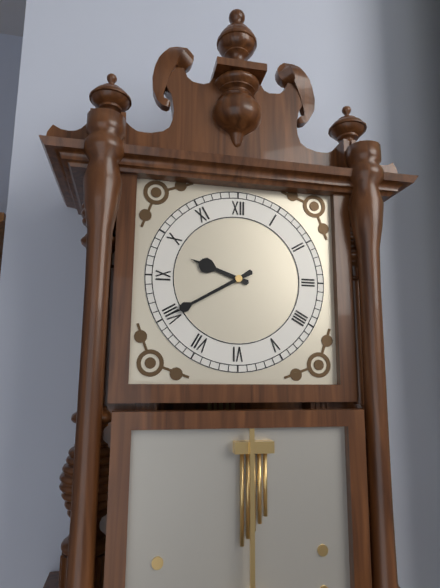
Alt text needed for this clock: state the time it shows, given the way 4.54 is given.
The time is 9.40
